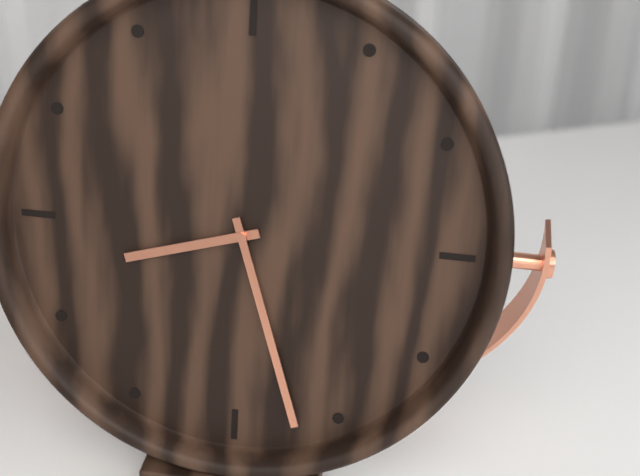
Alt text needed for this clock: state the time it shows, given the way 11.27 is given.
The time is 8.27
